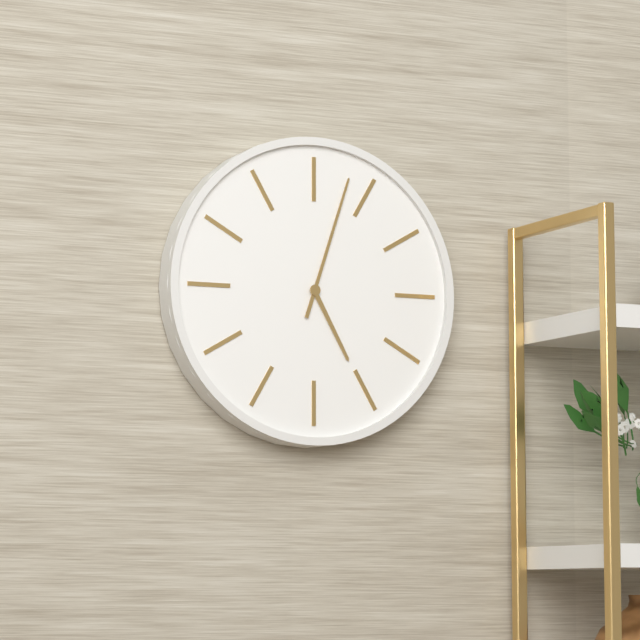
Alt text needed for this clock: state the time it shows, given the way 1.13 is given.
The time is 5.03
